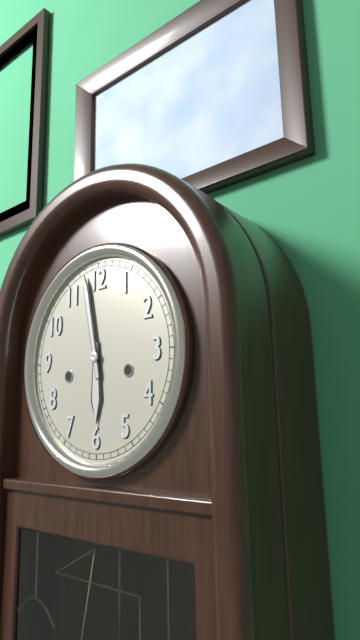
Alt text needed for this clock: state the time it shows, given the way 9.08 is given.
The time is 5.58
